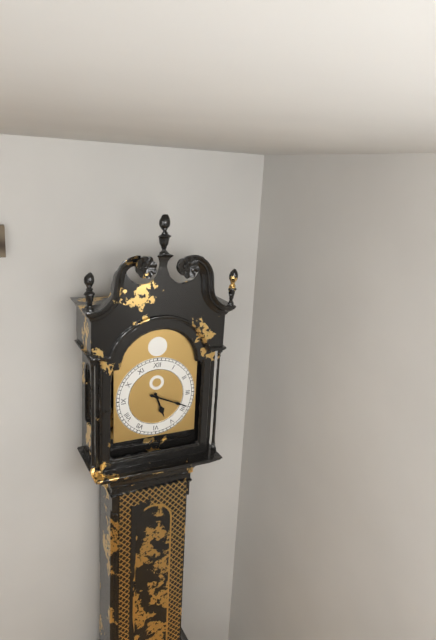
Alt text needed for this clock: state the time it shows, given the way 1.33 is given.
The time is 5.19
